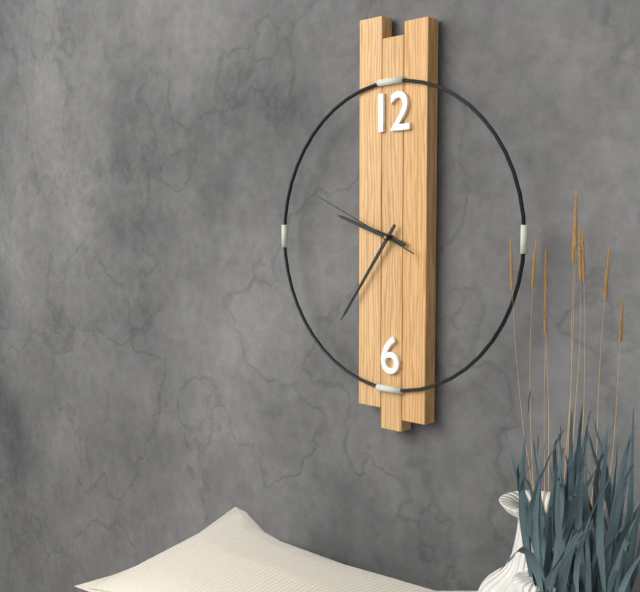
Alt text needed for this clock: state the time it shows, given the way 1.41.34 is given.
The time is 9.36.49
